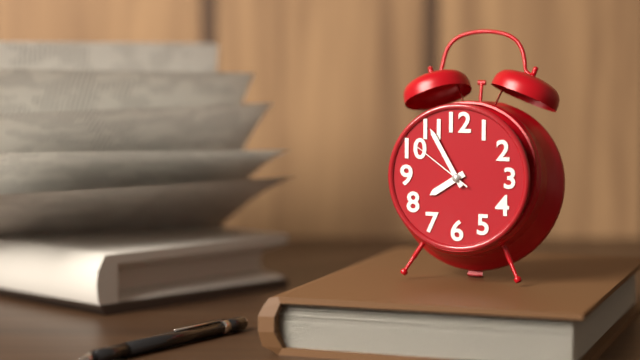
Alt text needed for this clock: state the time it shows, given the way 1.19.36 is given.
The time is 7.55.51
